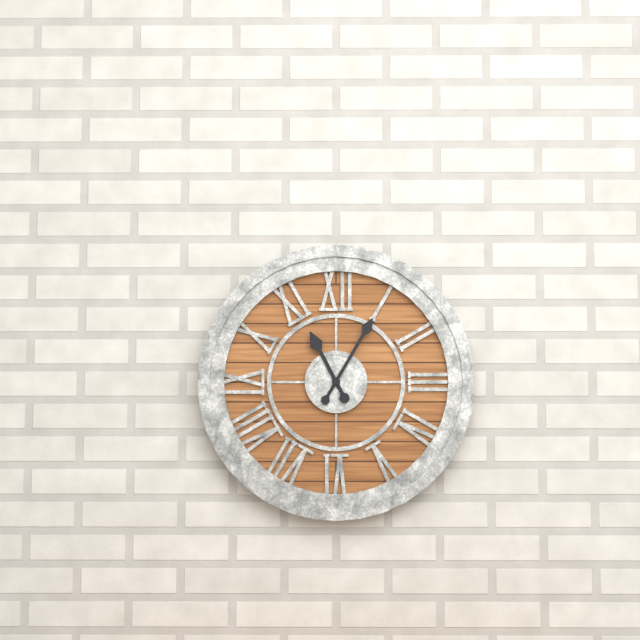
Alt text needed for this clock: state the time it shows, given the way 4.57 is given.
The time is 11.05
